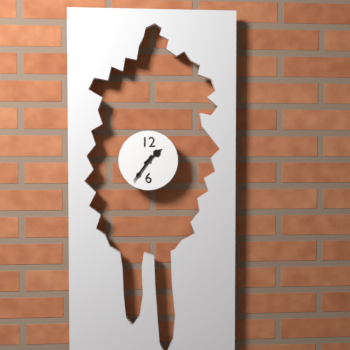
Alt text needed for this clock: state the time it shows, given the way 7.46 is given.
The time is 1.36
